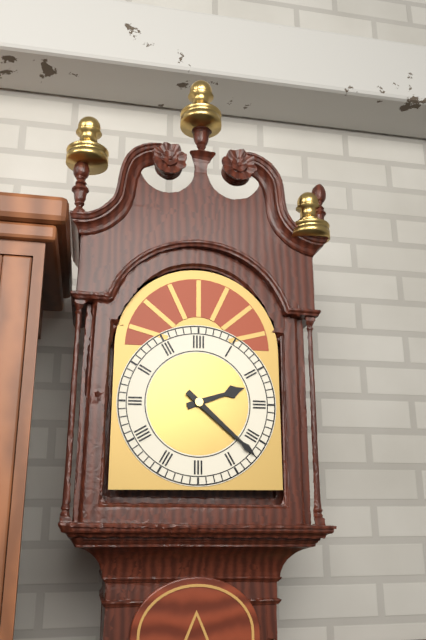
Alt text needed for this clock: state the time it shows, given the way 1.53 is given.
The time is 2.22
